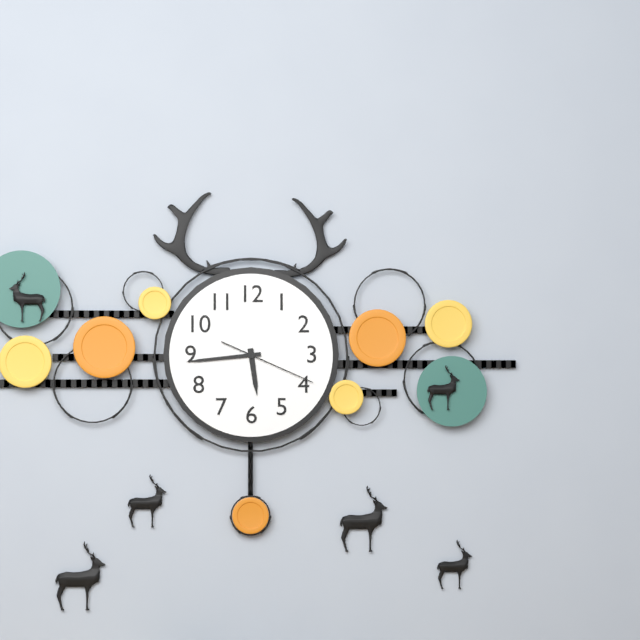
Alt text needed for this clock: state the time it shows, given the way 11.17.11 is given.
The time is 5.44.19
